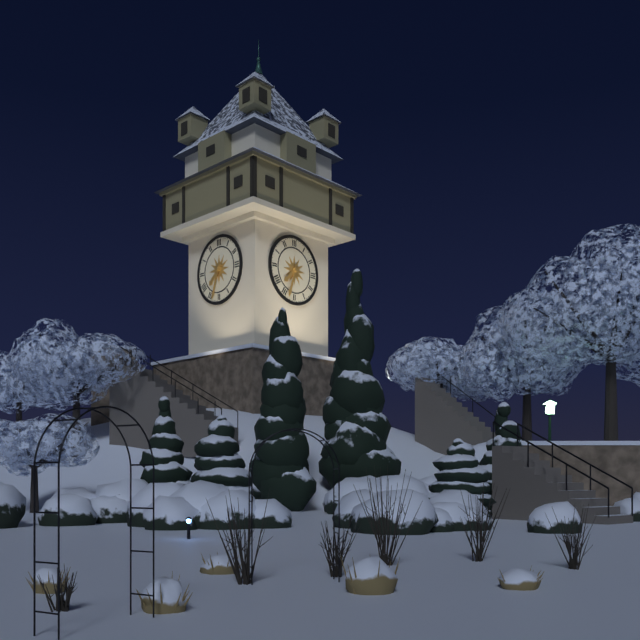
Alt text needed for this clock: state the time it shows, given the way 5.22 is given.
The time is 7.33
